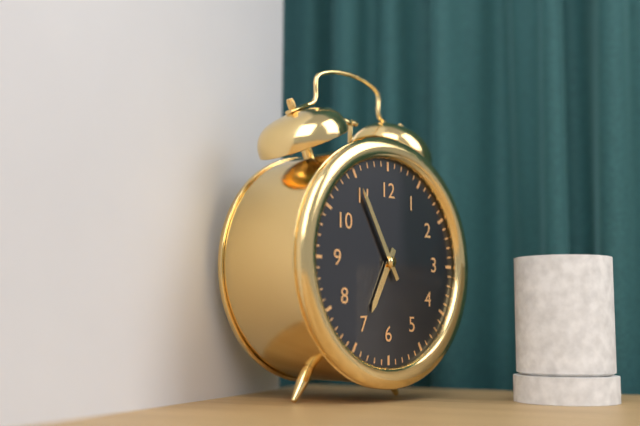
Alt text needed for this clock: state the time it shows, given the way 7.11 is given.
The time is 6.55
